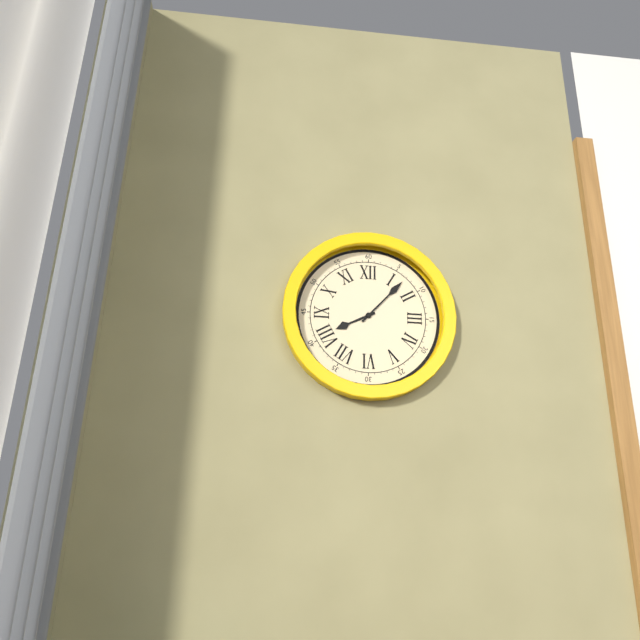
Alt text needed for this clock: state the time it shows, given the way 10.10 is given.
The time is 8.07
